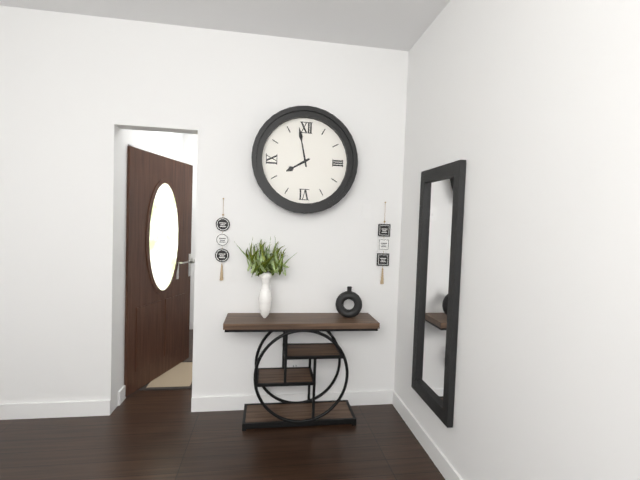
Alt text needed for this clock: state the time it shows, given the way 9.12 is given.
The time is 7.58
